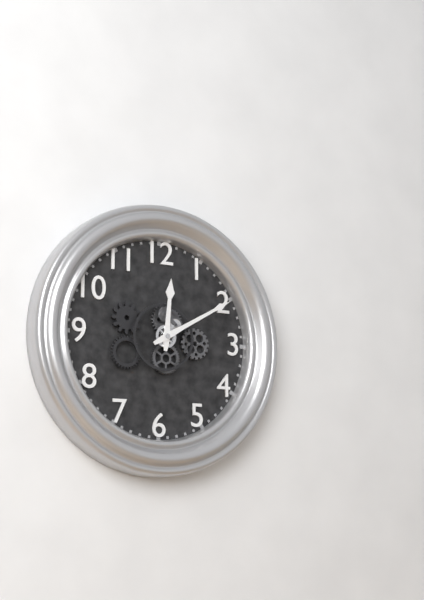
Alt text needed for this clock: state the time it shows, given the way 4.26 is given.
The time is 12.10
